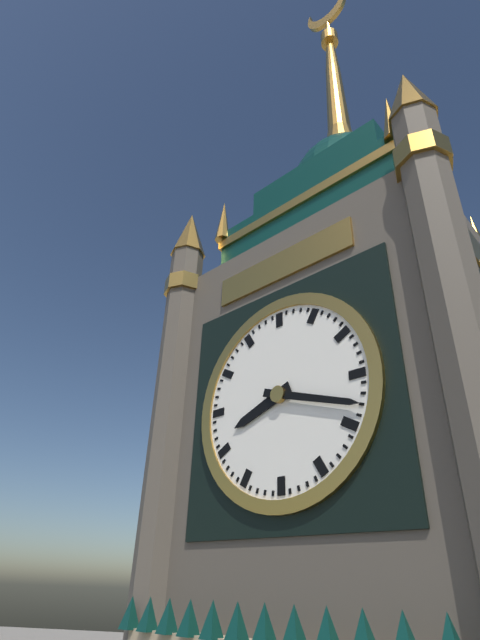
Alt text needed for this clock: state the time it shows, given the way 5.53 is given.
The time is 8.18
